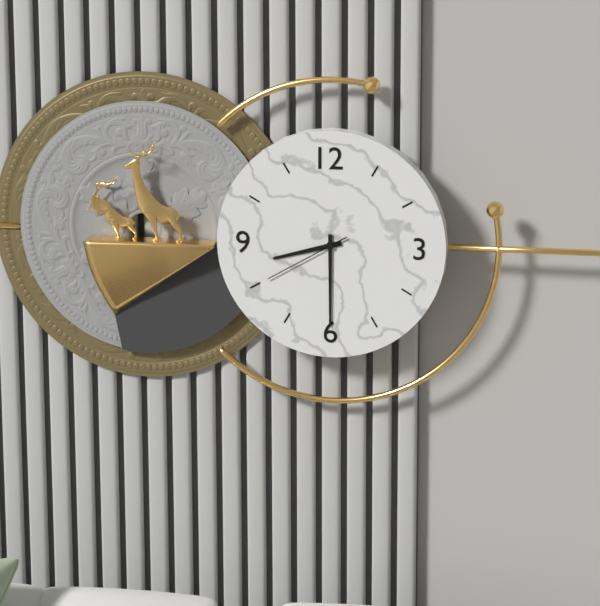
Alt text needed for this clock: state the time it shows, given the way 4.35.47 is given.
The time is 8.30.40
